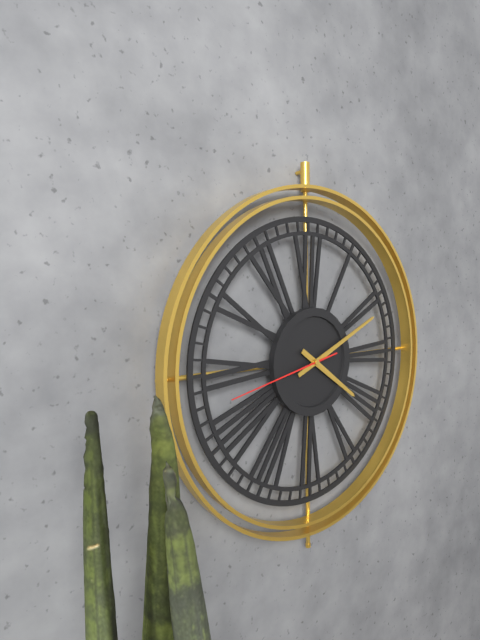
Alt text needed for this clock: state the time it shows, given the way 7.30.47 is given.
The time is 4.11.43
